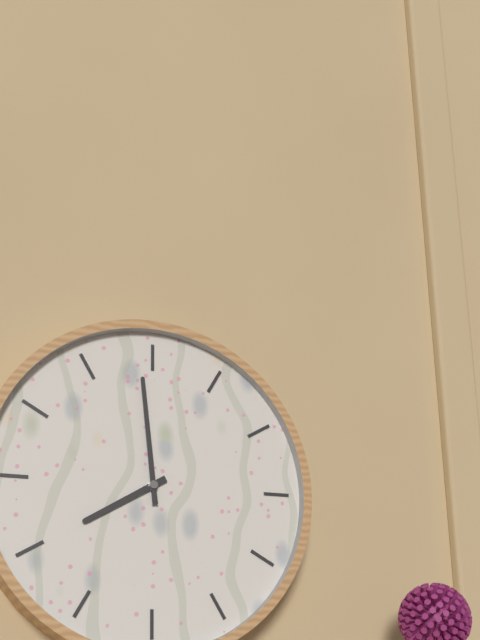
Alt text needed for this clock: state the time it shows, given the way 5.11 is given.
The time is 7.59
